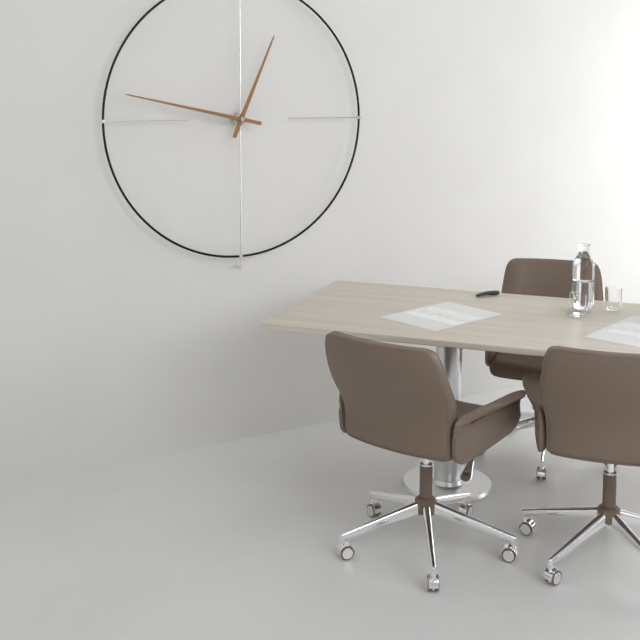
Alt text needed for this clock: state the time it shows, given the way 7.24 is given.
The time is 12.47
